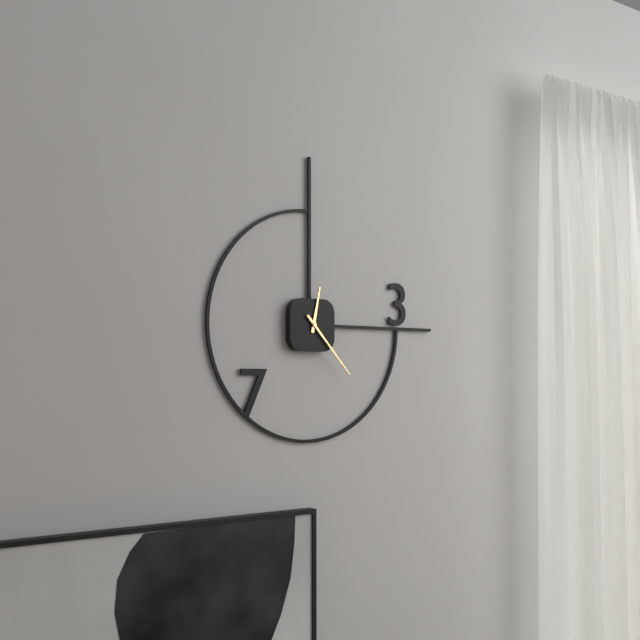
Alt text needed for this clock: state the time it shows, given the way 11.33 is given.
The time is 12.23
